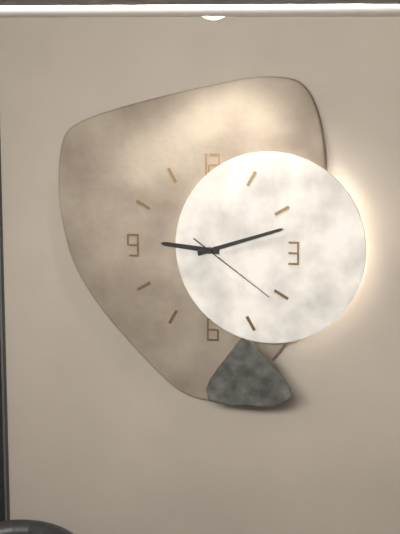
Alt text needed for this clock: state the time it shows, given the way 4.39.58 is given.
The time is 9.12.21
